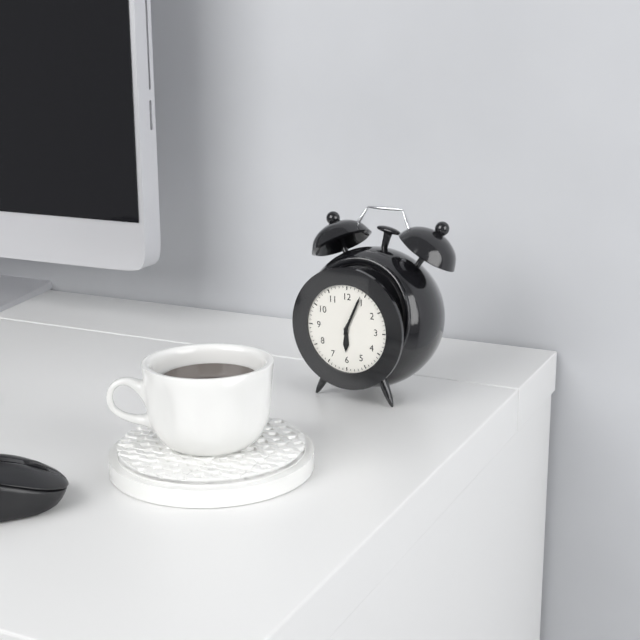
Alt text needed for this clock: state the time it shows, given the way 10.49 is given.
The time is 6.04
